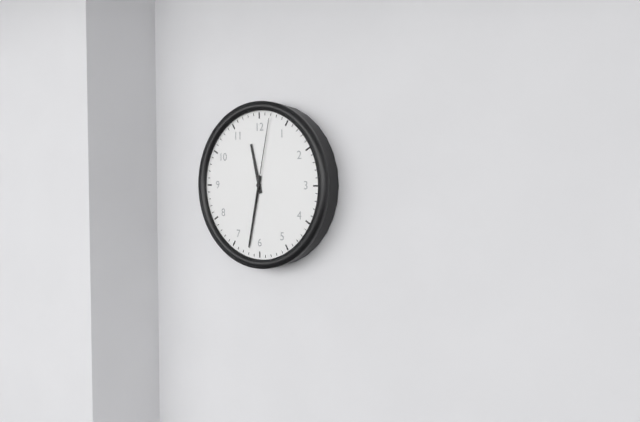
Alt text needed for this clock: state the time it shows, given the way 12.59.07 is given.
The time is 11.32.02
